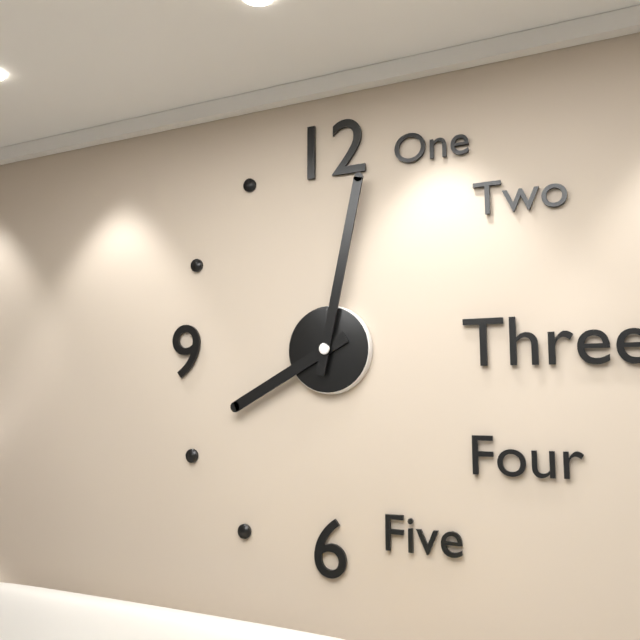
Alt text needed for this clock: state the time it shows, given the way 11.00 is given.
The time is 8.02
